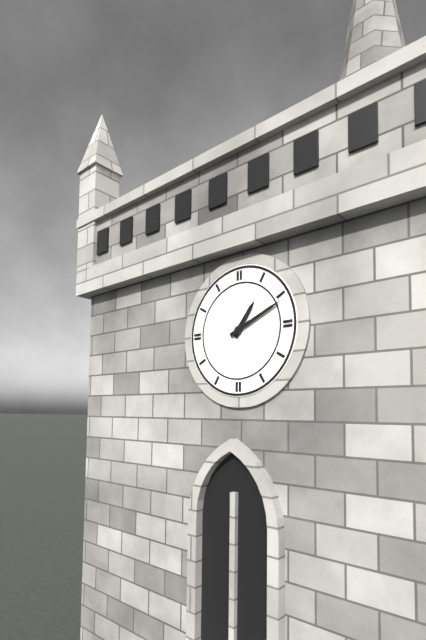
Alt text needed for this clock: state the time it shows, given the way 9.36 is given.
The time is 1.11
